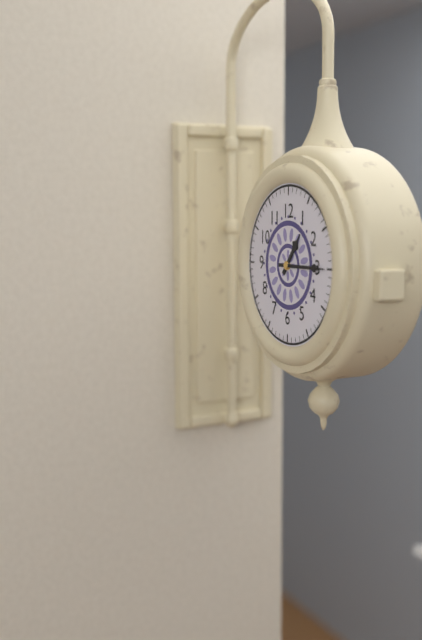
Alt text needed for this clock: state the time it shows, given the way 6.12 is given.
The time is 1.15
